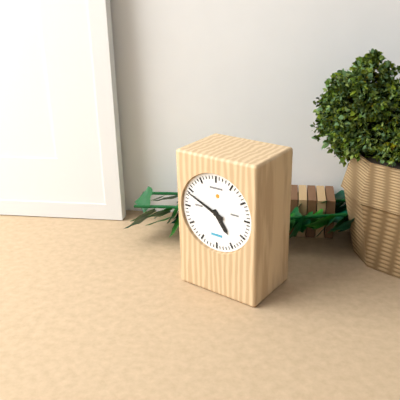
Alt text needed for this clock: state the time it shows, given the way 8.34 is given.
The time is 4.49
